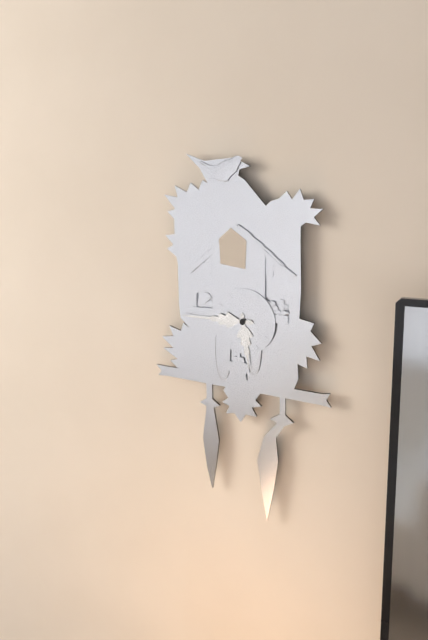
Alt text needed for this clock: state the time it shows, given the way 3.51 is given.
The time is 5.45
